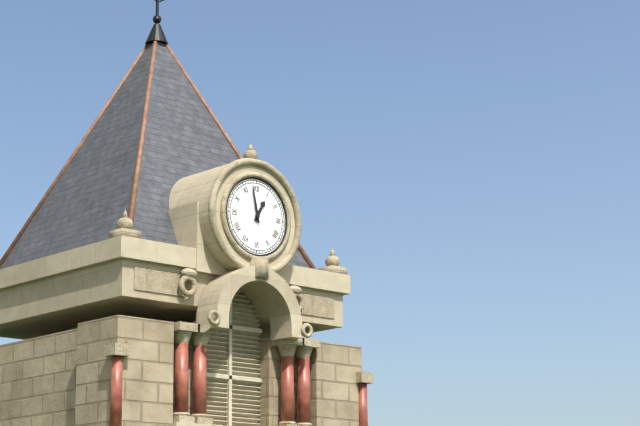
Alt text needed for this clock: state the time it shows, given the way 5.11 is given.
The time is 12.58
